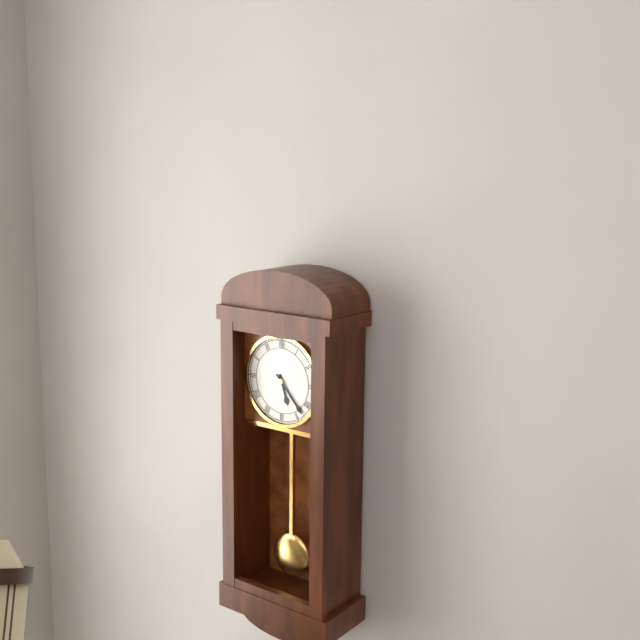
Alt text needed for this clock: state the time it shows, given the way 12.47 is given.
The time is 5.23
